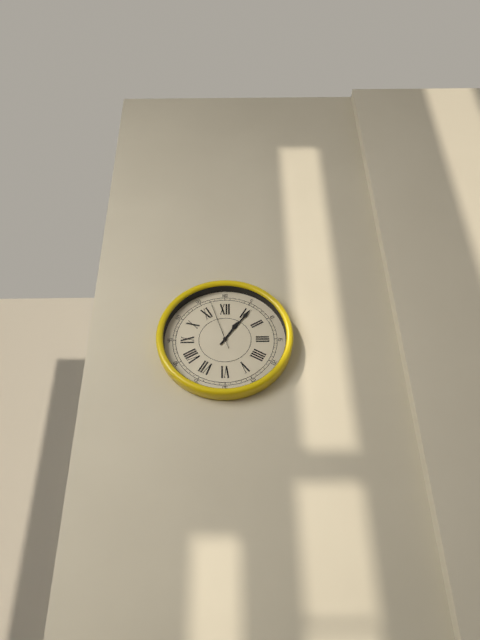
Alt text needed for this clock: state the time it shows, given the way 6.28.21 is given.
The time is 1.06.57
